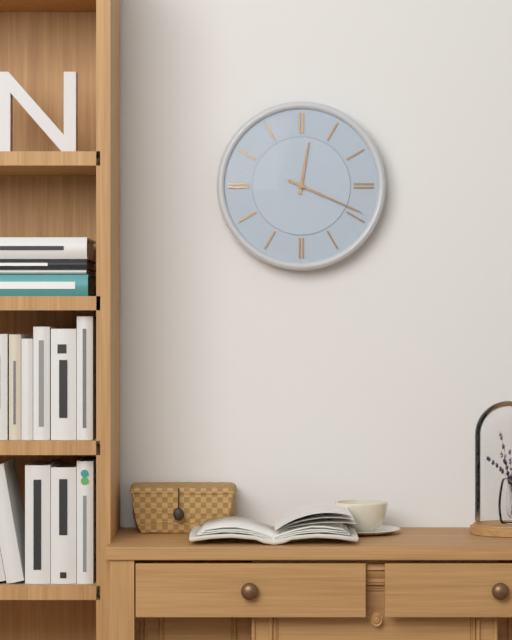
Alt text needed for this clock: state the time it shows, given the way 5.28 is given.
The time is 12.19
